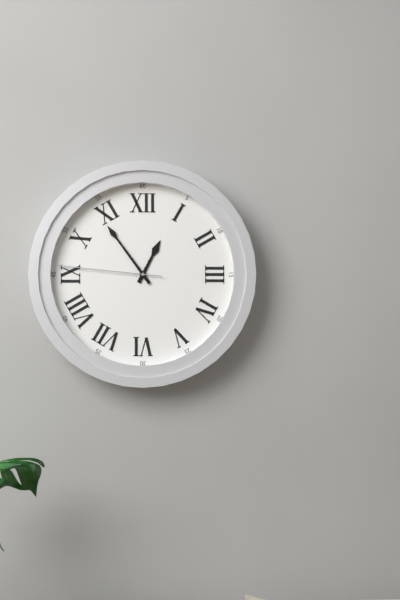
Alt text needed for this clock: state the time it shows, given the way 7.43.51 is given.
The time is 12.54.46
